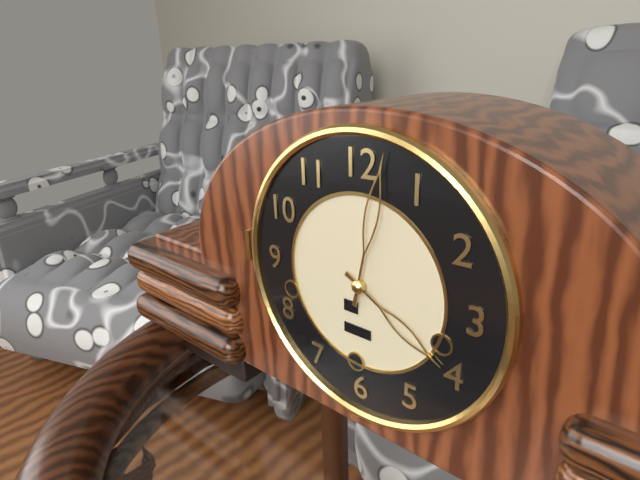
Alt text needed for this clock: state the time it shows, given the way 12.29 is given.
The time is 4.02
